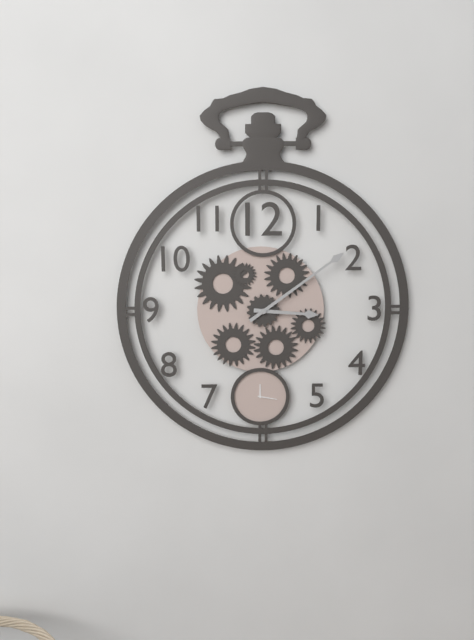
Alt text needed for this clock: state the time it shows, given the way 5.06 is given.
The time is 3.09
